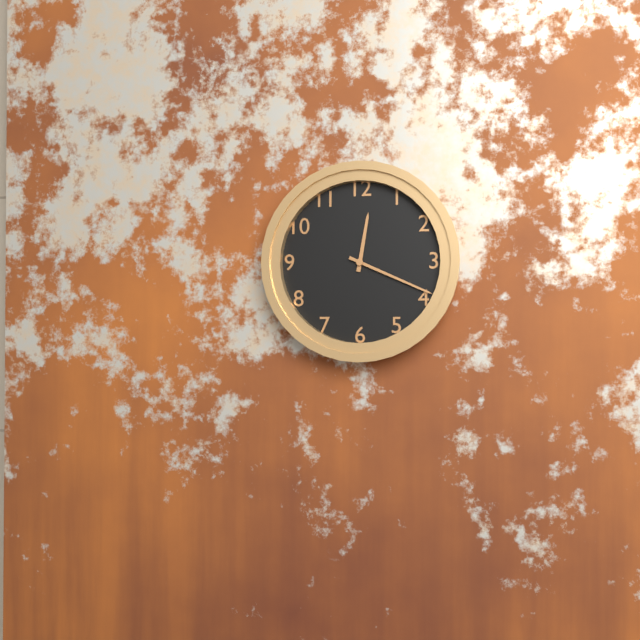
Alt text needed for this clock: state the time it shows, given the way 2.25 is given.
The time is 12.19
